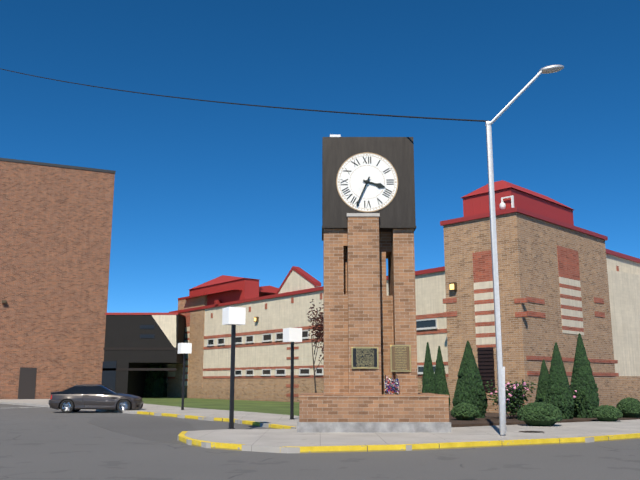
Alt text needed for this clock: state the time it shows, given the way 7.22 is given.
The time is 3.34
